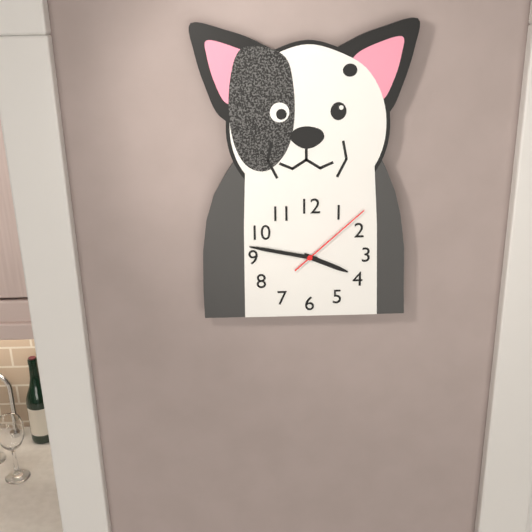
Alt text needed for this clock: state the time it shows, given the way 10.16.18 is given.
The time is 3.47.08
